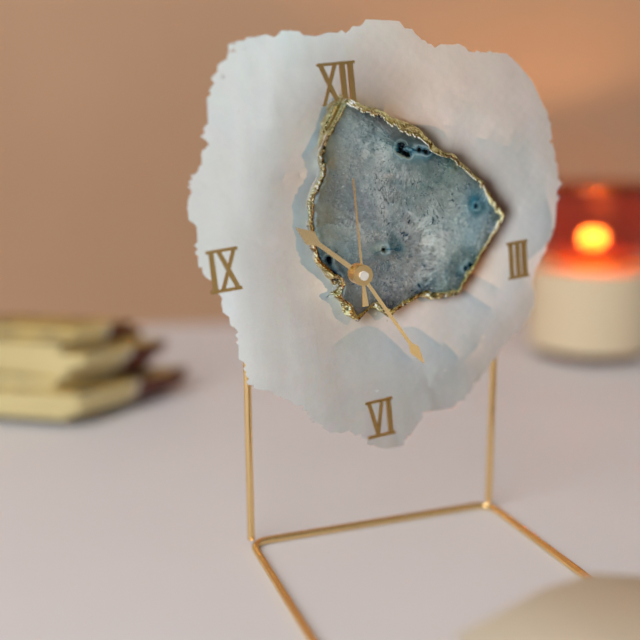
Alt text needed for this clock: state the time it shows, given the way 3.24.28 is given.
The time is 10.25.00
